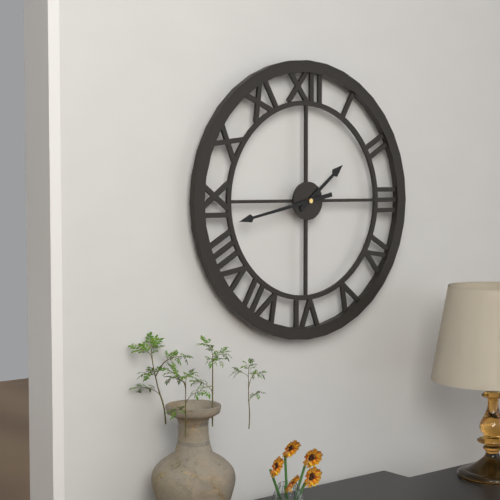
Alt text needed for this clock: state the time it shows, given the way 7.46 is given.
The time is 1.43
